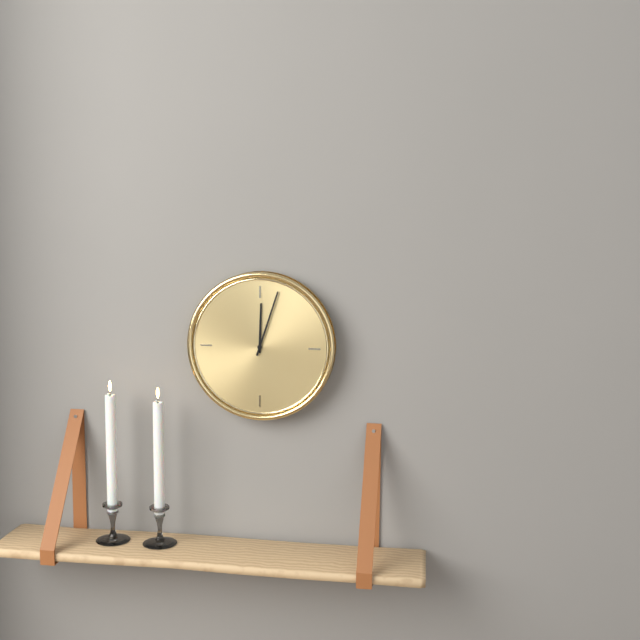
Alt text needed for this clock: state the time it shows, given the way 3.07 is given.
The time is 12.03
